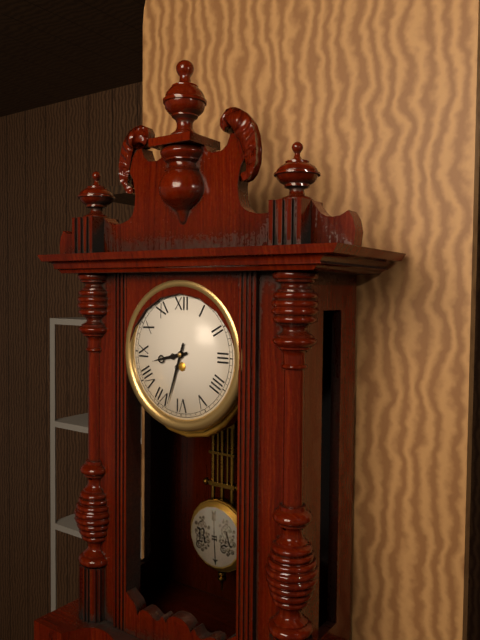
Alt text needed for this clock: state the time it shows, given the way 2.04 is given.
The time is 8.33
